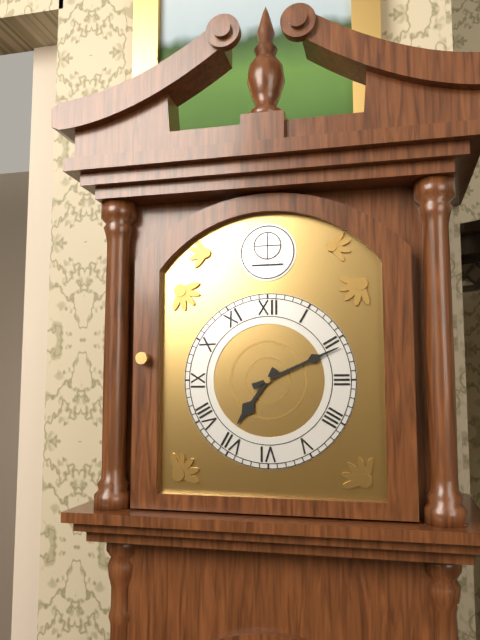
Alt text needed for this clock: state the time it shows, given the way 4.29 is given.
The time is 7.11
